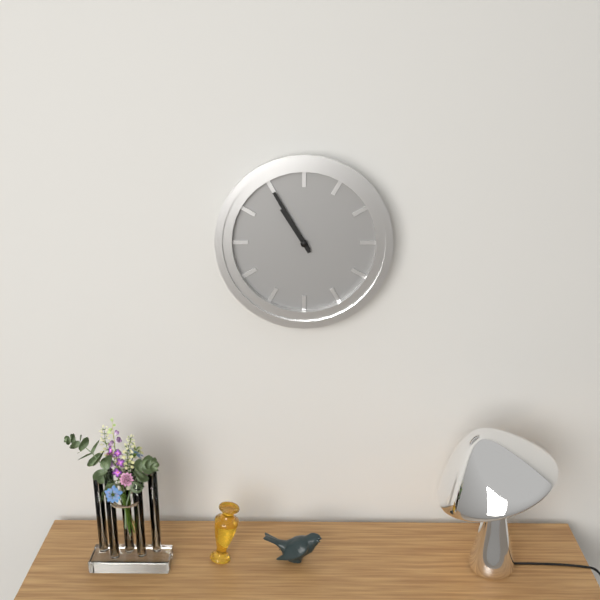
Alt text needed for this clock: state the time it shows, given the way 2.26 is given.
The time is 10.55
